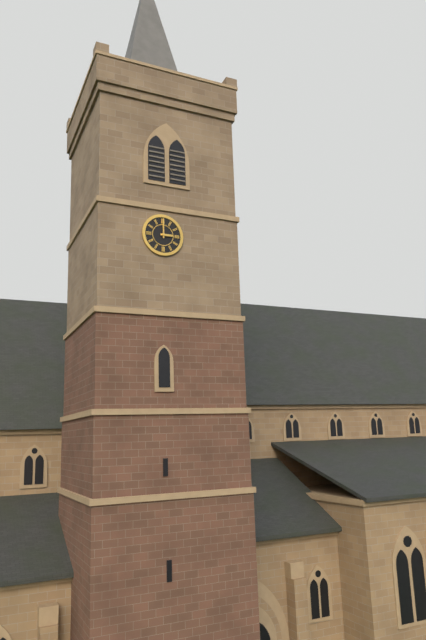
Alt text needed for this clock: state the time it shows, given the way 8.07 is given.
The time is 3.00
